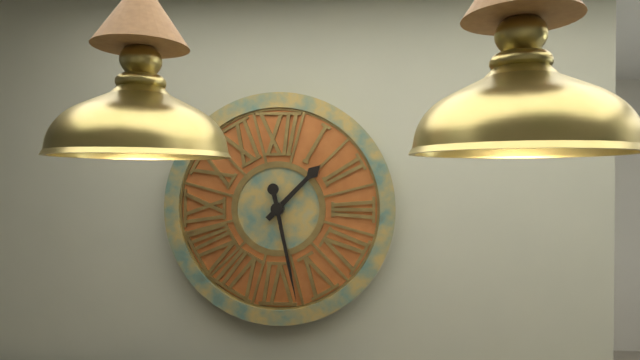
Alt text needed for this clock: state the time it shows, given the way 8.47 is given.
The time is 1.28
